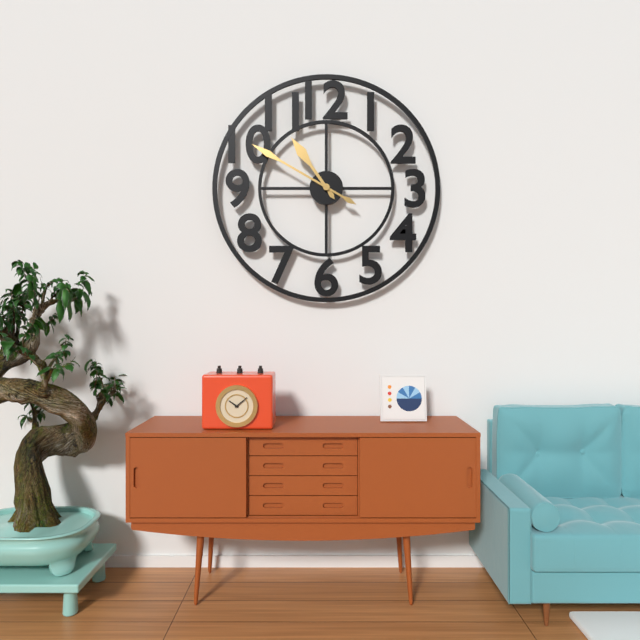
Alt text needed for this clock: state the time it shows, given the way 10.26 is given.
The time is 10.50
